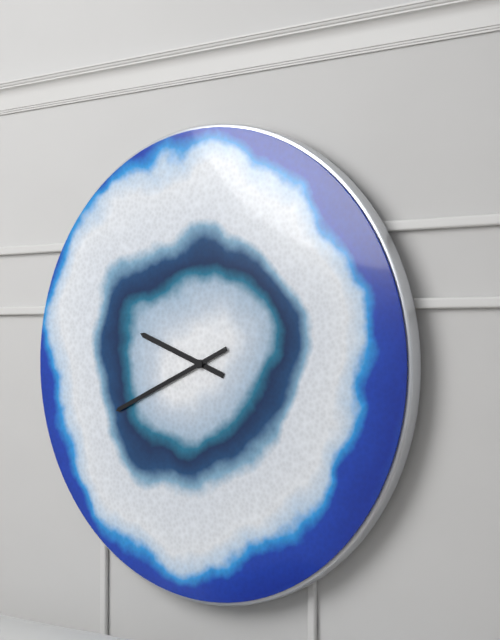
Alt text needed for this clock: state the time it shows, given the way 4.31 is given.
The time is 9.41
